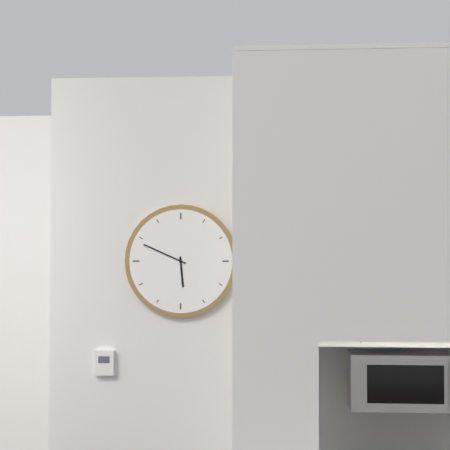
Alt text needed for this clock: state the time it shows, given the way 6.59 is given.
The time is 5.49
